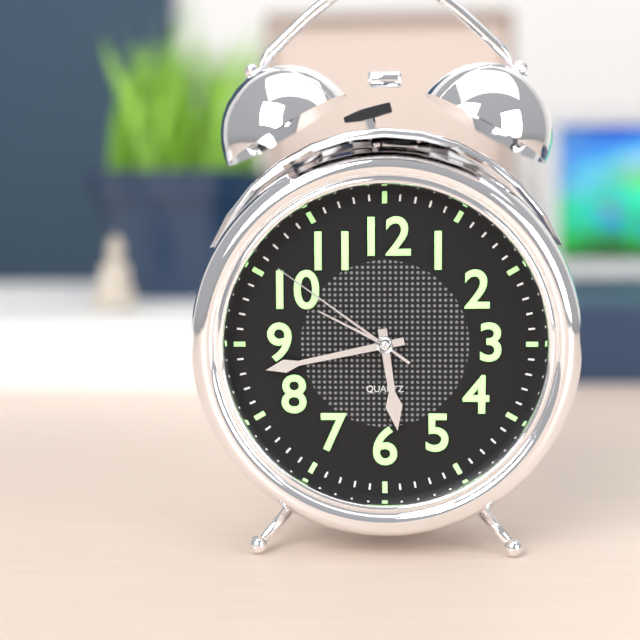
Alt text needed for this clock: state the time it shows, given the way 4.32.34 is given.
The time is 5.43.51
